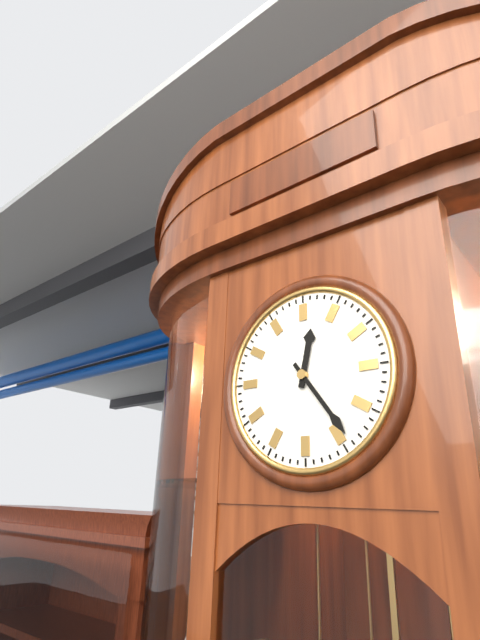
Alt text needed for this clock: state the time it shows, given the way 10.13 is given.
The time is 12.24
